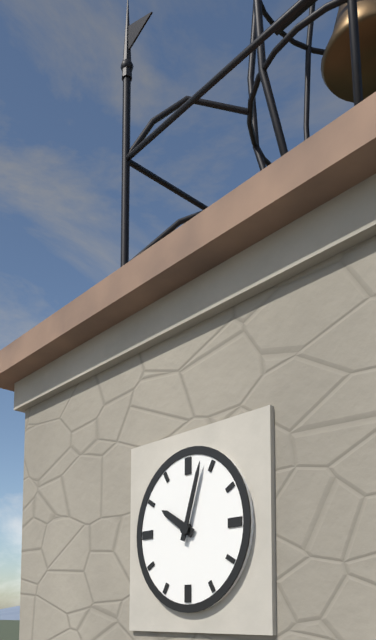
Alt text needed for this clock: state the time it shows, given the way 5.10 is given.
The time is 10.03
